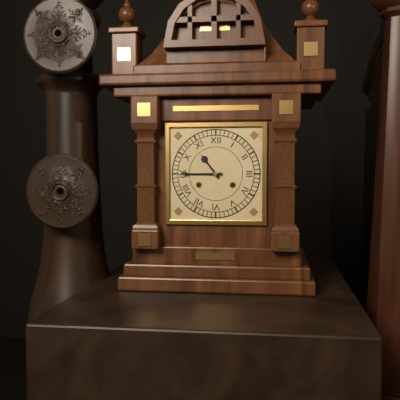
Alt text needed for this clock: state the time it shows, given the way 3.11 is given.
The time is 10.45
